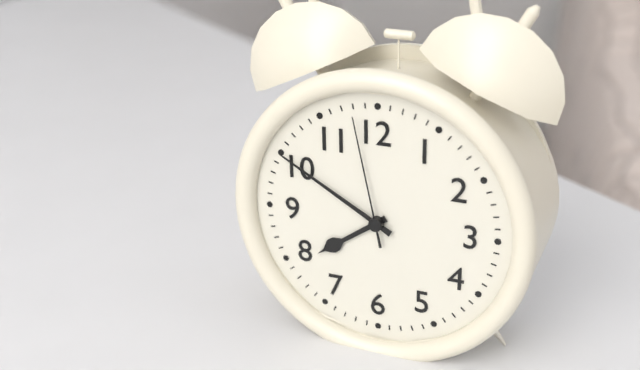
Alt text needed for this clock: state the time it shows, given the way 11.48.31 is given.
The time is 7.50.58
